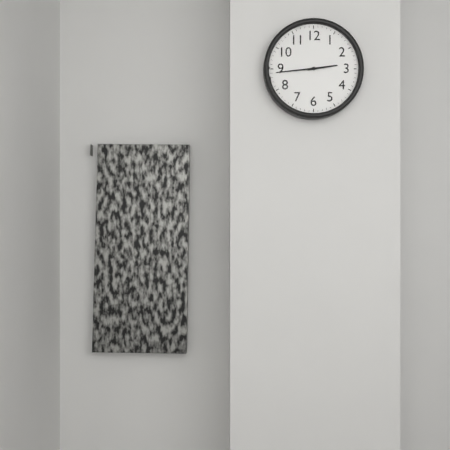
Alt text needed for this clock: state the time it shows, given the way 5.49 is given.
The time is 2.44
